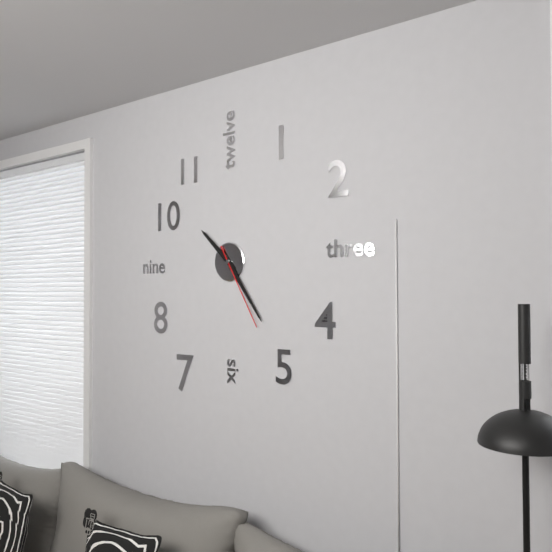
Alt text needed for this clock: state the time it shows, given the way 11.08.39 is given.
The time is 10.24.25
